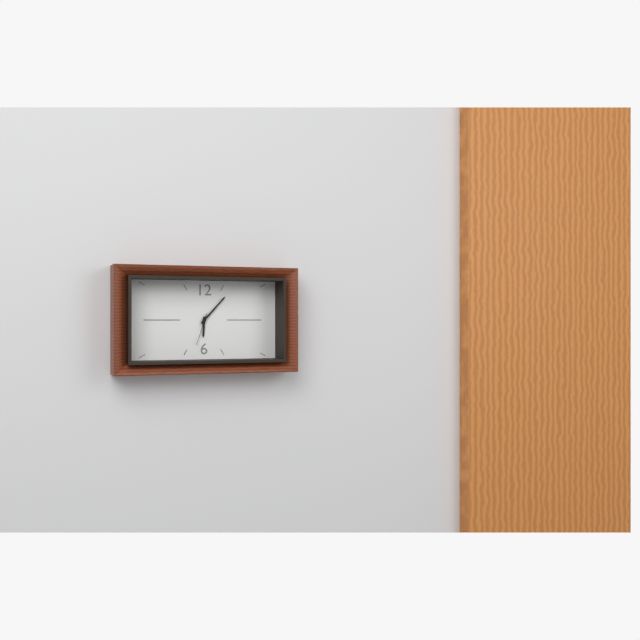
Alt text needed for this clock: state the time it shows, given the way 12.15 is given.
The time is 6.07
